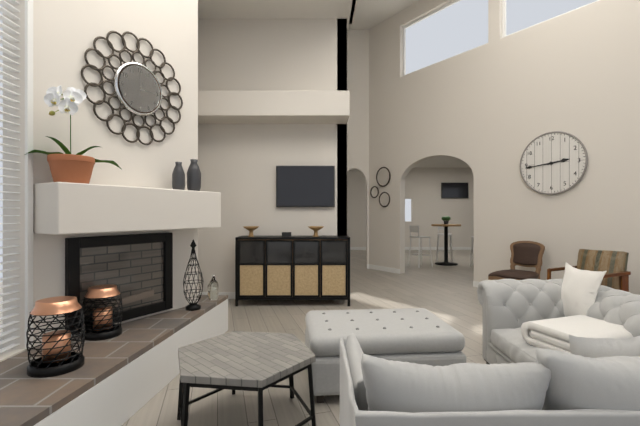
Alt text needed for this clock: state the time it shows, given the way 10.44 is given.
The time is 2.44
